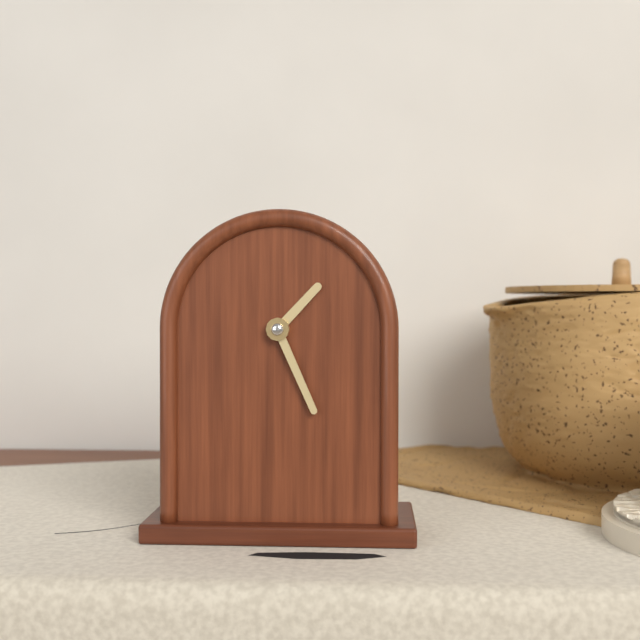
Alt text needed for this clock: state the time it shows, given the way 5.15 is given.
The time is 1.26
